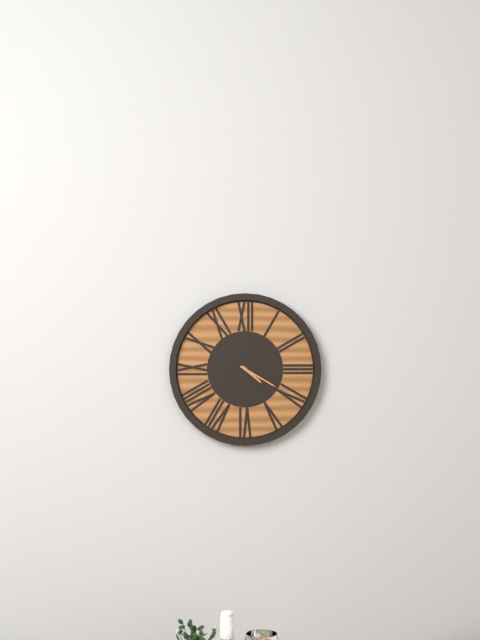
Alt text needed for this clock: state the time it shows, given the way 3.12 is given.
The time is 4.20
